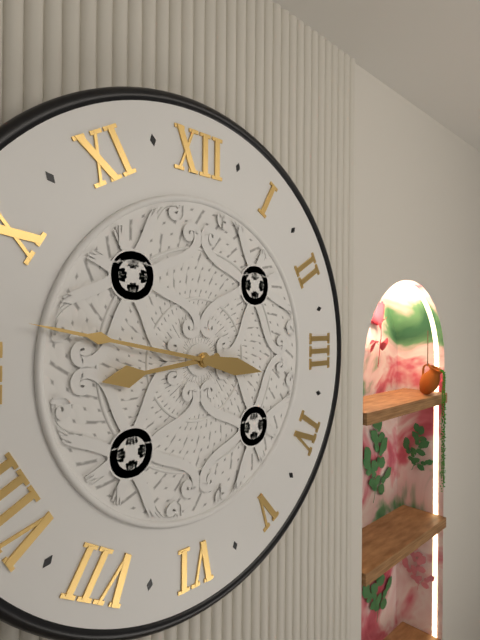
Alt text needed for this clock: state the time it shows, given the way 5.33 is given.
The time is 8.47
